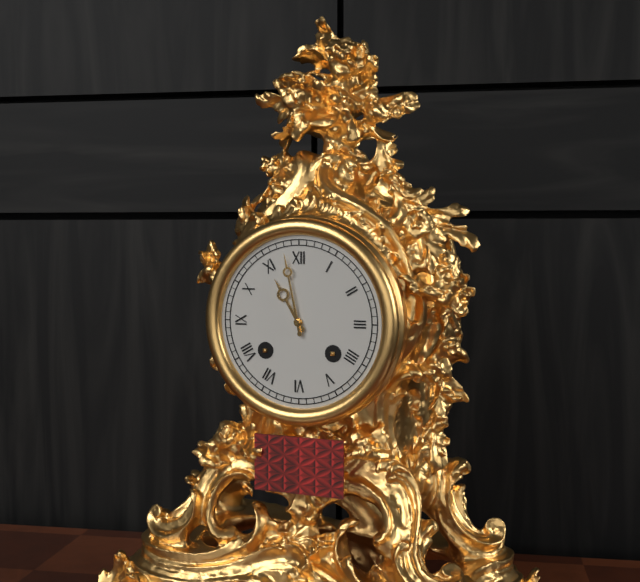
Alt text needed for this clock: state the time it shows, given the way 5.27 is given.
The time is 10.58
